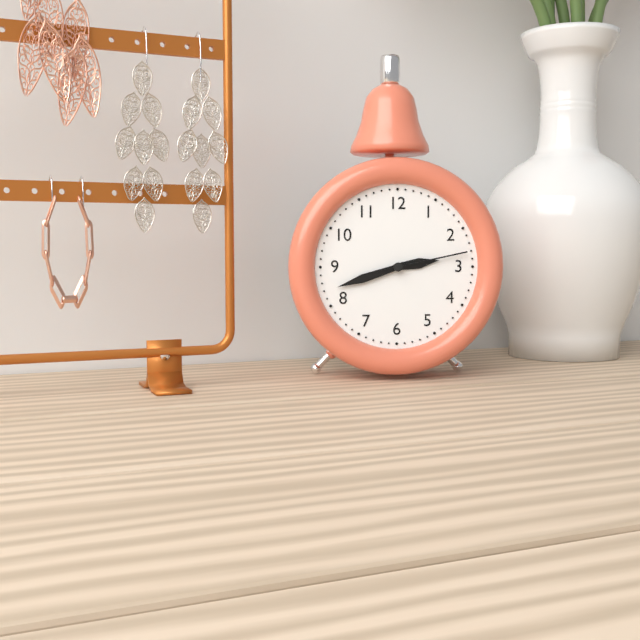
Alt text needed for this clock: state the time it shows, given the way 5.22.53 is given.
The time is 2.42.13
